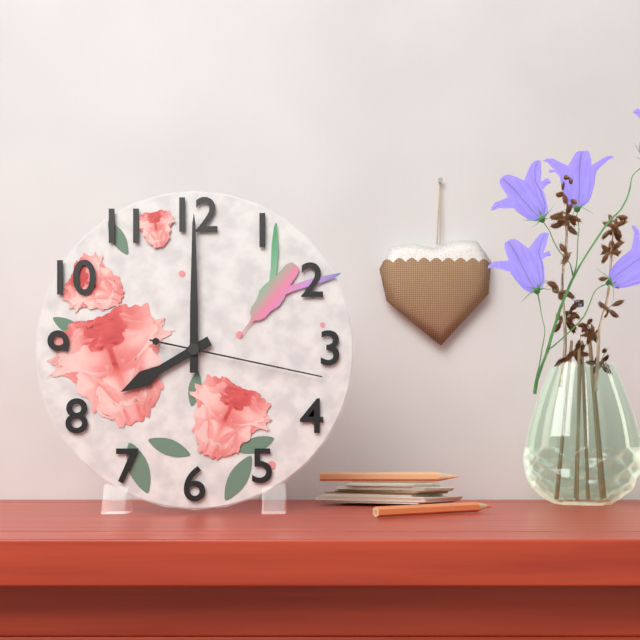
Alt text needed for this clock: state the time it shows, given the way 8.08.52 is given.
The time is 8.00.17
